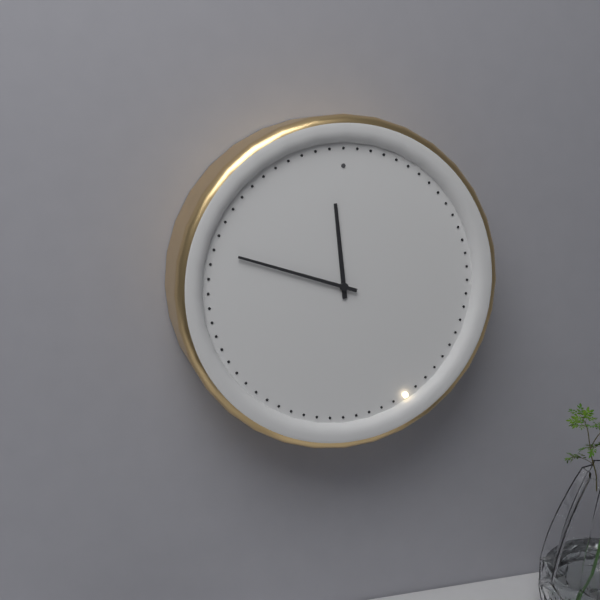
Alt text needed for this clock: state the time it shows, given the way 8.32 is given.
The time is 11.48
